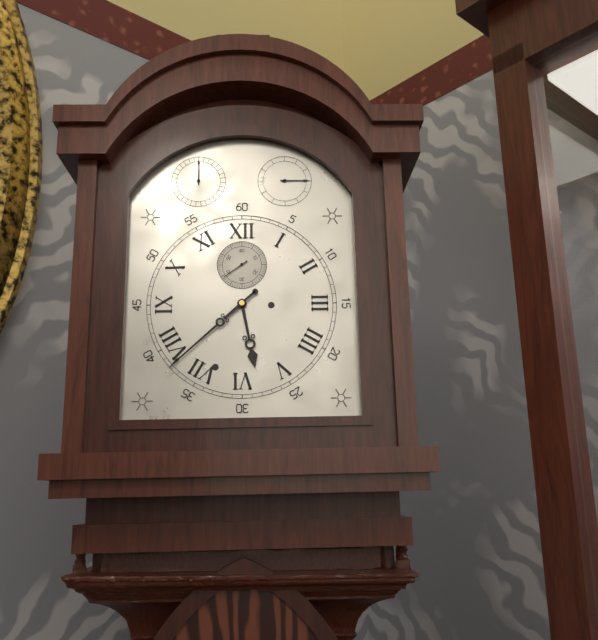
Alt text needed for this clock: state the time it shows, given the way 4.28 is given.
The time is 5.38
